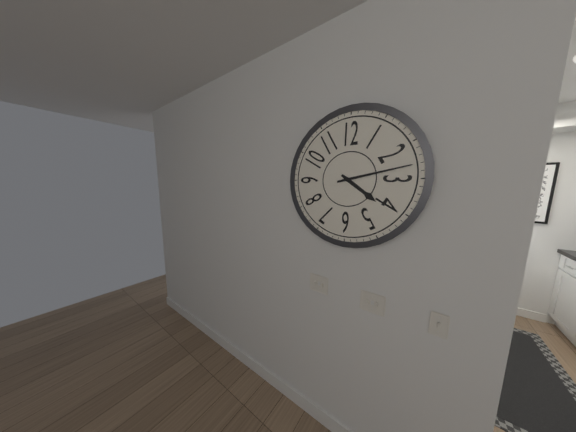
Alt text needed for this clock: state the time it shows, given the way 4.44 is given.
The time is 4.13
